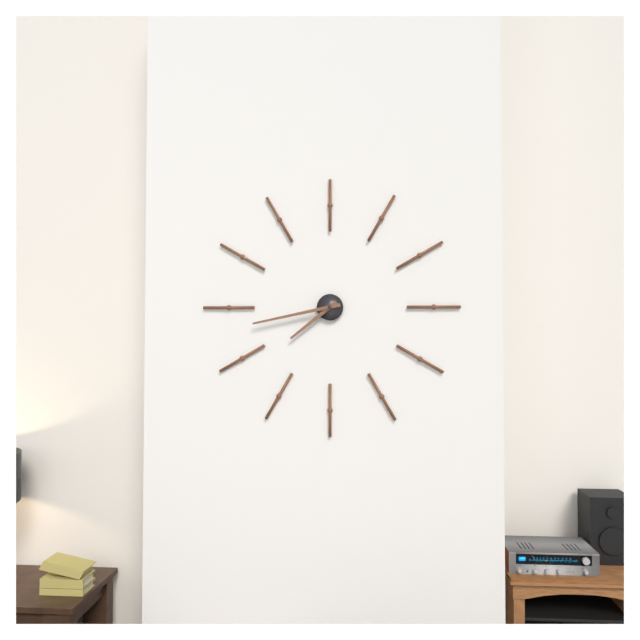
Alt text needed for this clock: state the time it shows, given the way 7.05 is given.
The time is 7.43
